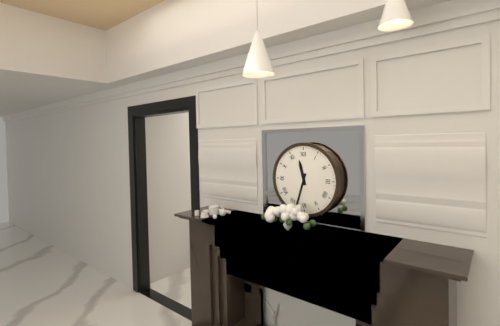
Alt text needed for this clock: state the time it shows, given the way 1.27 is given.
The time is 11.33
